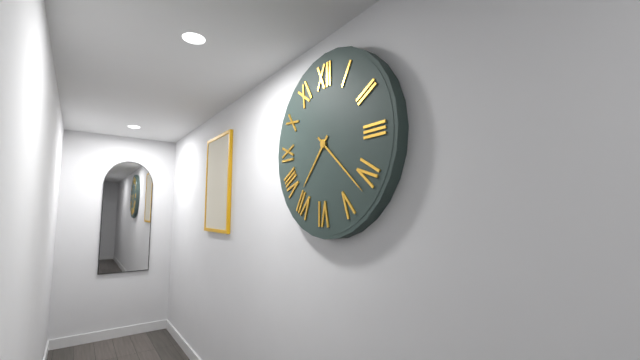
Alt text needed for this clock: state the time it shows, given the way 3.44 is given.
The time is 7.22
